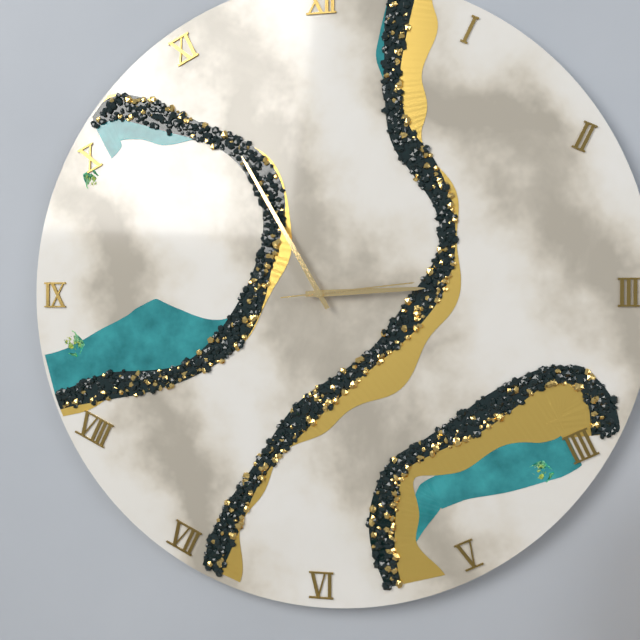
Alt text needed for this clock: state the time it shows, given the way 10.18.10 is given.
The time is 2.55.14
